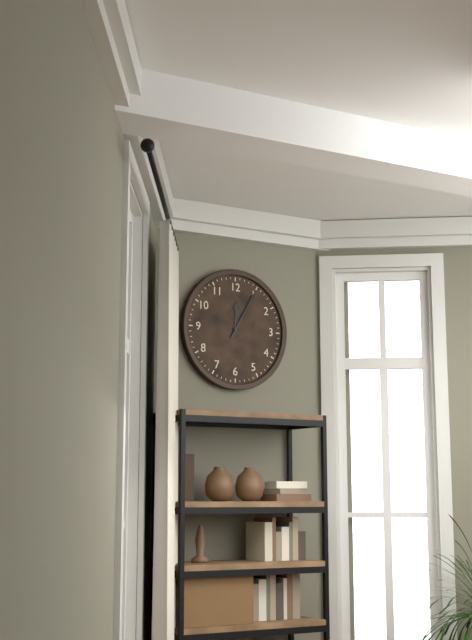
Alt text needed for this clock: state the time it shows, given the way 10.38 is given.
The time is 12.05
